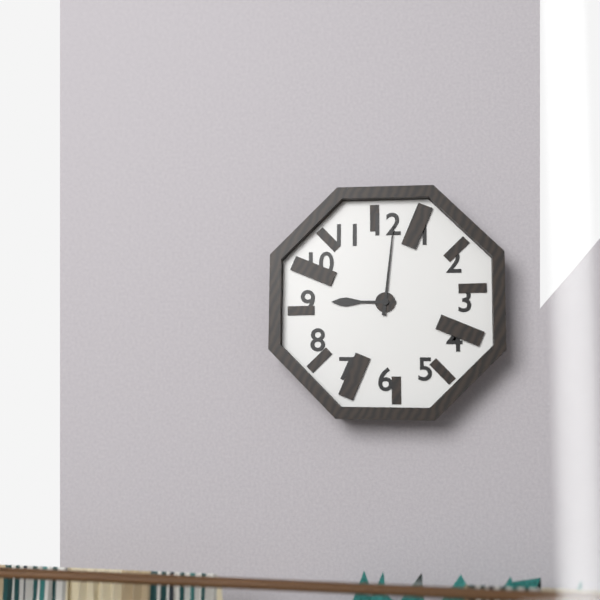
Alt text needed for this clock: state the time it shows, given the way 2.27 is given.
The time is 9.01
